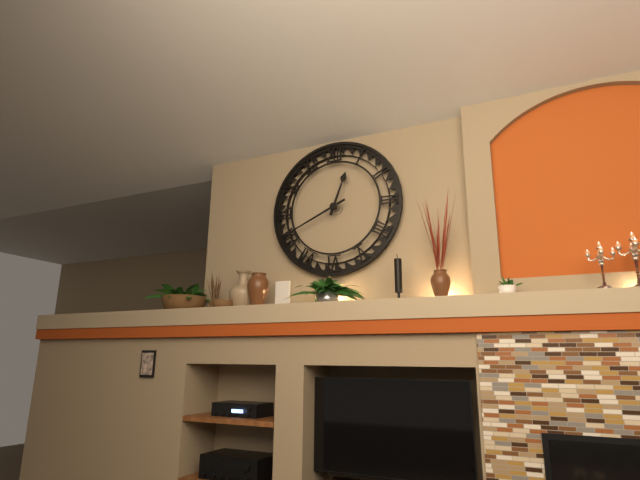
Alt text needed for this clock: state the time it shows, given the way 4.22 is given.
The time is 12.41
